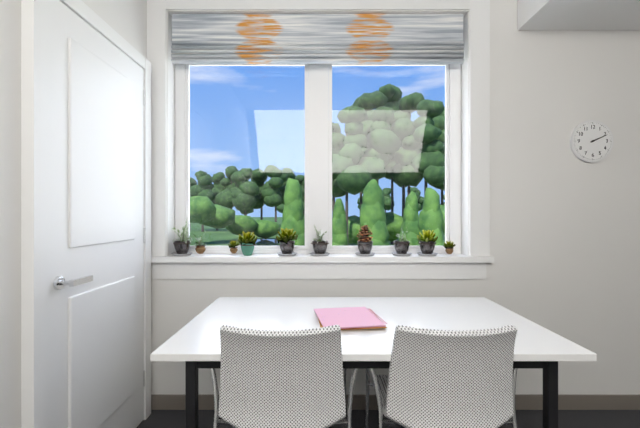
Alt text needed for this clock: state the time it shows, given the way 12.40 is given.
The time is 2.11
